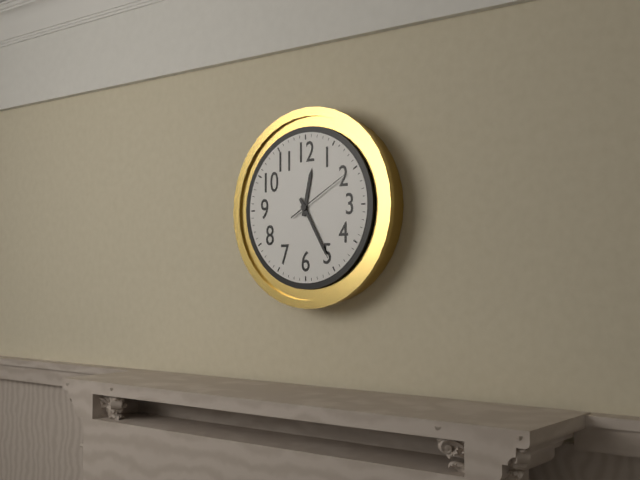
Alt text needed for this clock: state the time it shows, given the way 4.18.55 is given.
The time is 12.25.10
